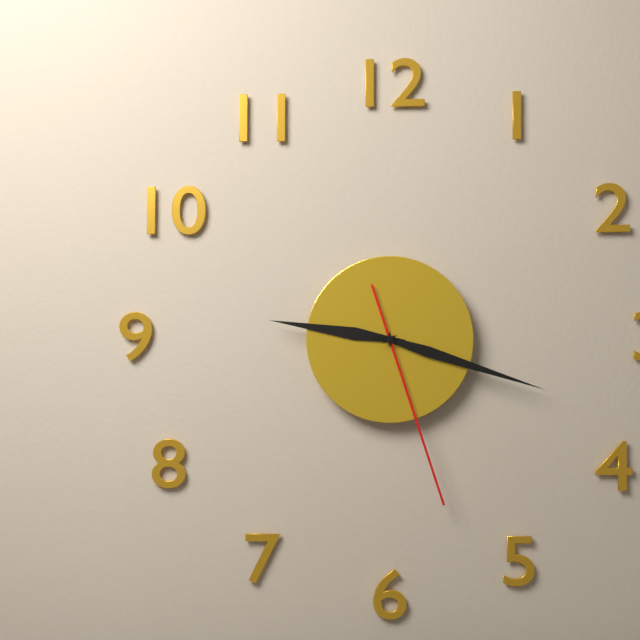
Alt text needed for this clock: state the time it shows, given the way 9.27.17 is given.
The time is 9.18.27
